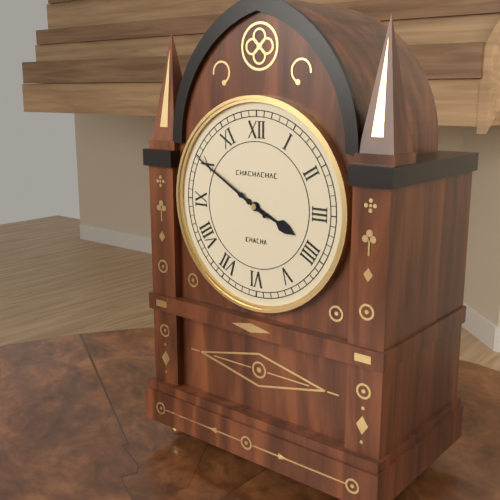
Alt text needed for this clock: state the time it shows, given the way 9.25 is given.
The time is 3.50
